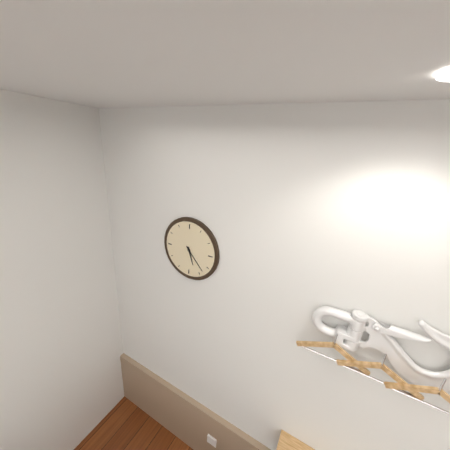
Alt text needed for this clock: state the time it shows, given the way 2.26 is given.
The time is 5.23
